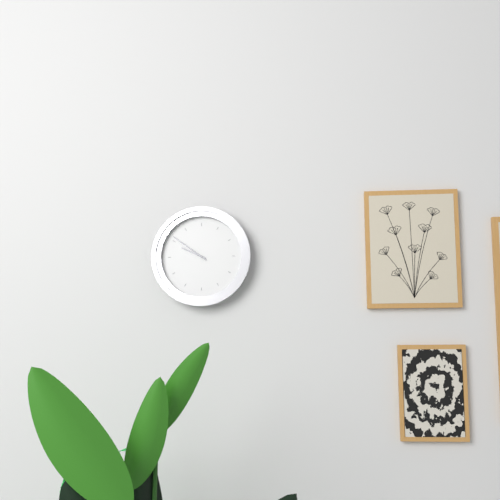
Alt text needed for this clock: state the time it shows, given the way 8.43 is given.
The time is 9.51
